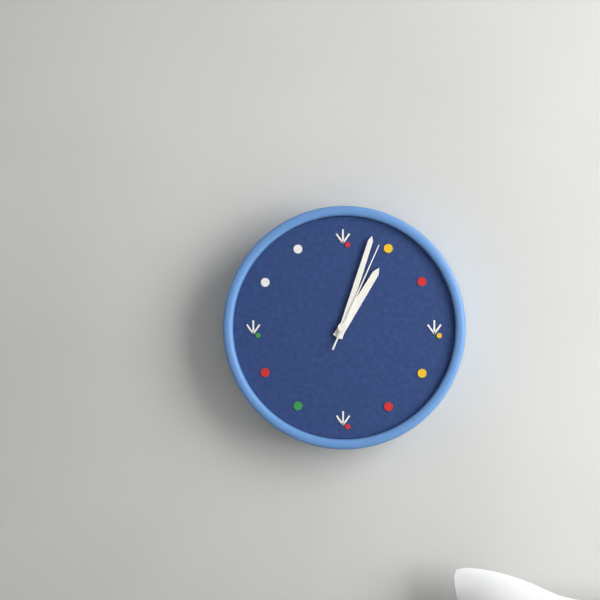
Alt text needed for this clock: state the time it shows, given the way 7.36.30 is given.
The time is 1.03.04
